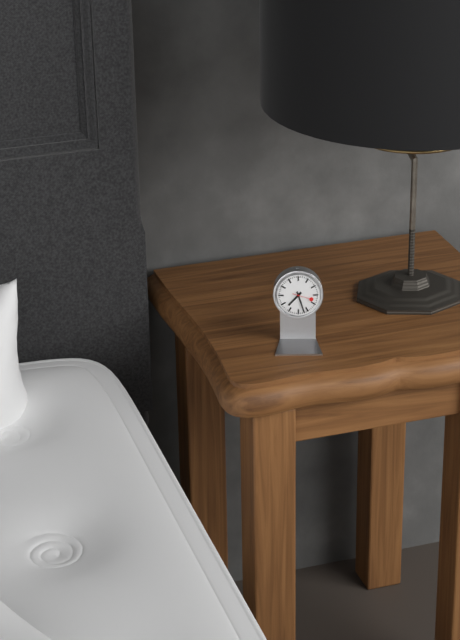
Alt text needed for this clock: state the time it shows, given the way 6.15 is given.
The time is 7.27
